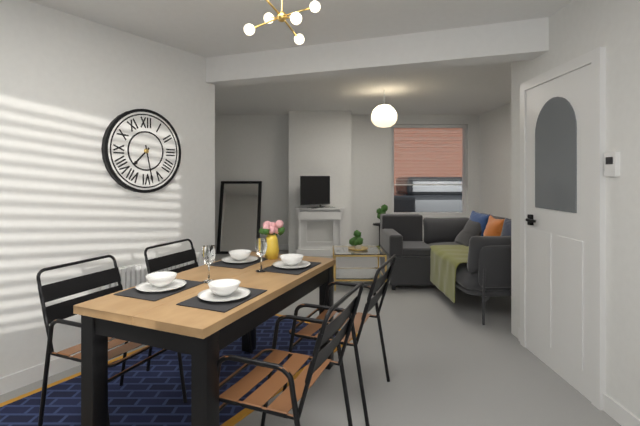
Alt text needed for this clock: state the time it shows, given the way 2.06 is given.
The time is 7.28
